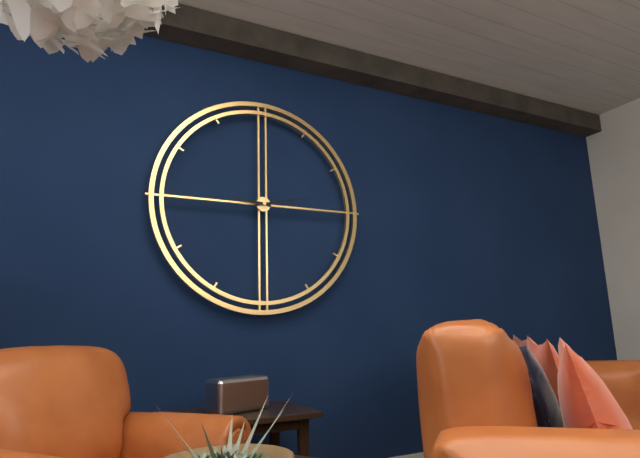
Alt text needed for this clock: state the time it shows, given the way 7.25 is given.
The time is 9.13
